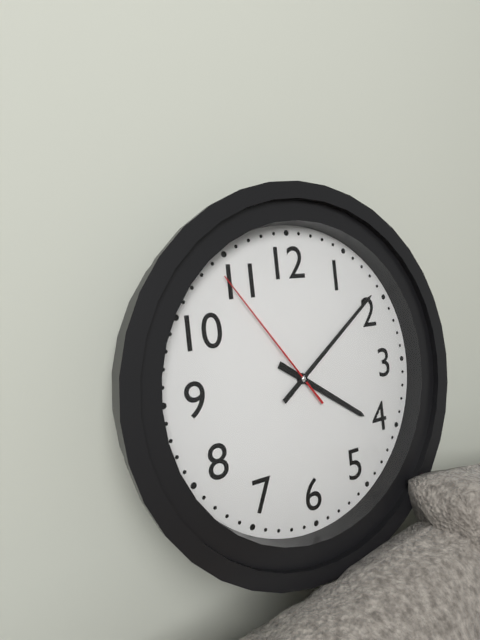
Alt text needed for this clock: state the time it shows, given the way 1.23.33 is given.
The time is 4.09.54
